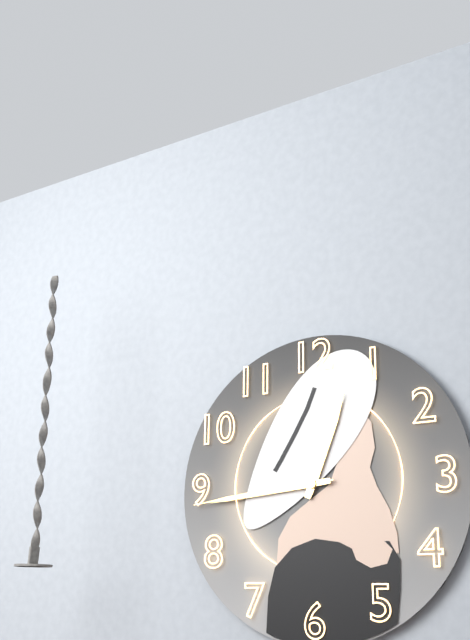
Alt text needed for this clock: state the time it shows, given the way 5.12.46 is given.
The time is 12.44.44
